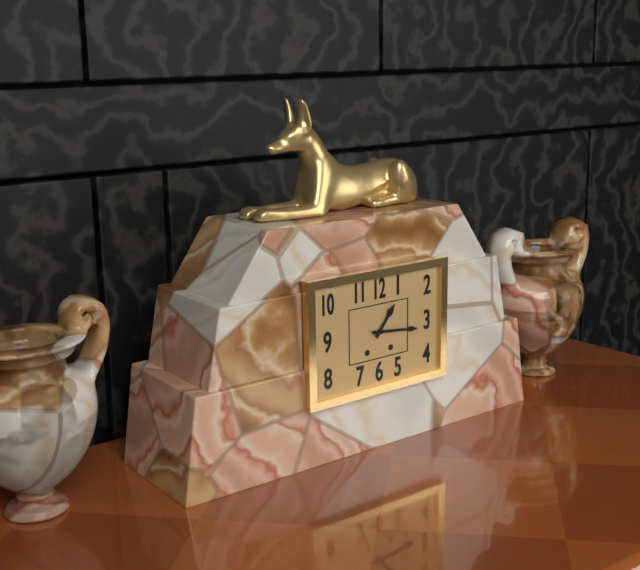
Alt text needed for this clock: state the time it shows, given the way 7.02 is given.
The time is 1.16
